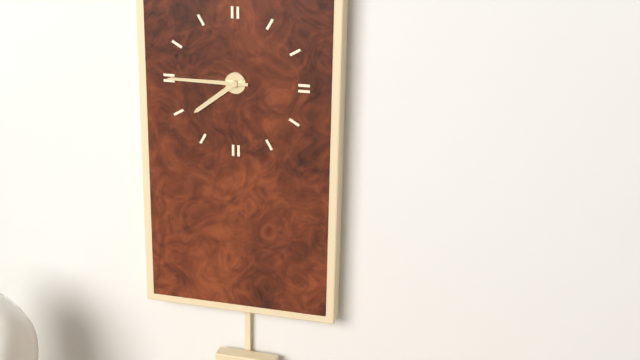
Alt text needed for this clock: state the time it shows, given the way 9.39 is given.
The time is 7.45
